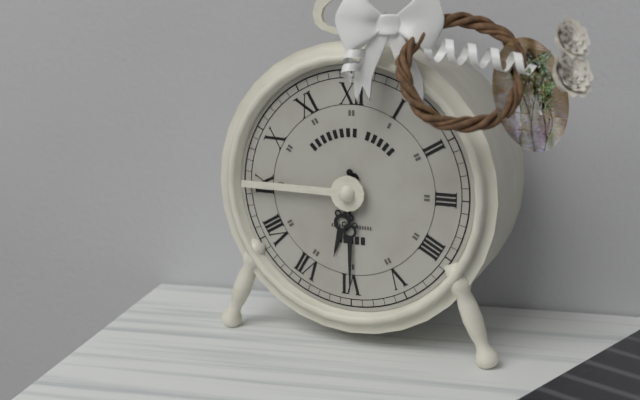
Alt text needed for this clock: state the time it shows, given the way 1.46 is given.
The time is 6.30
